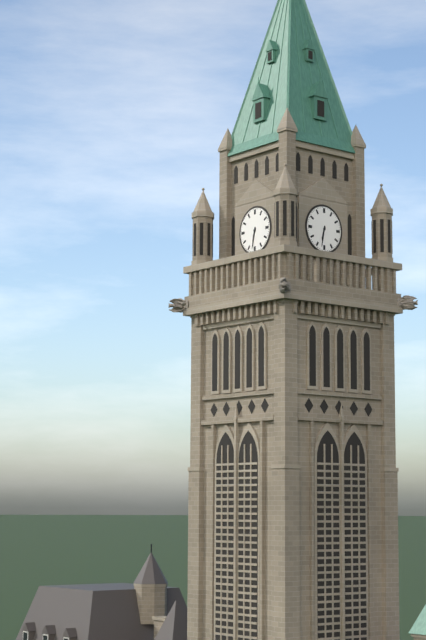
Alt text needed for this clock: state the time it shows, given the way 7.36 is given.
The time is 6.32
